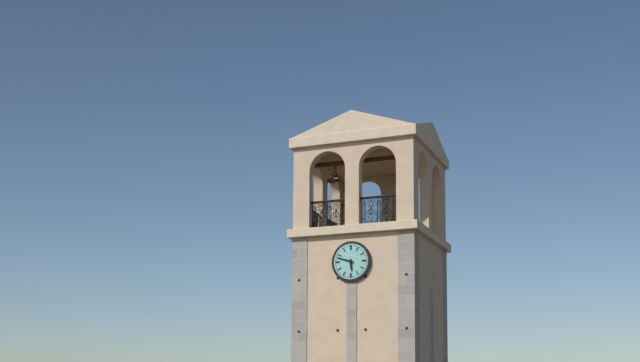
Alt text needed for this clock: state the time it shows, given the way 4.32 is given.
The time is 5.48
